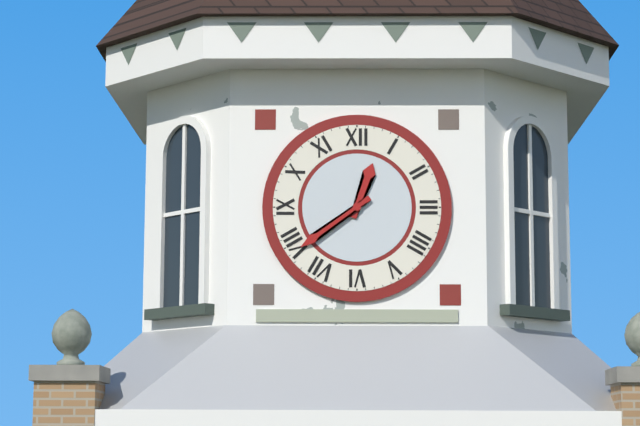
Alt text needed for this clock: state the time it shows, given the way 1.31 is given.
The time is 12.39
